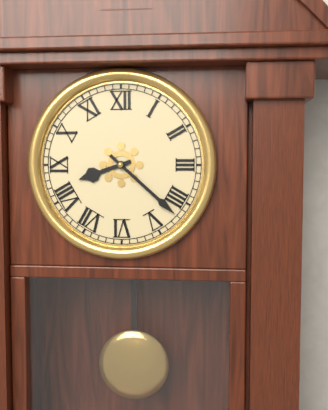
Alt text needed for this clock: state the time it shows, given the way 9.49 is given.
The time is 8.22
